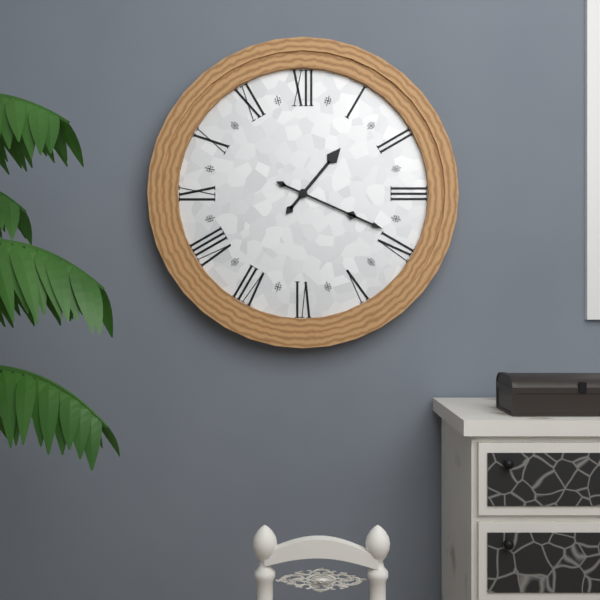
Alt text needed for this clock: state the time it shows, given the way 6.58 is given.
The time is 1.19
